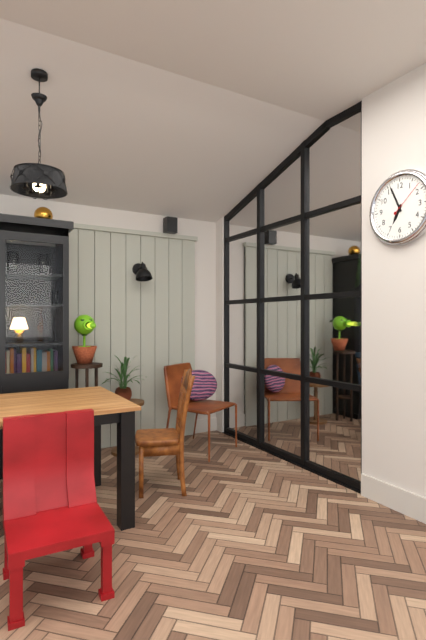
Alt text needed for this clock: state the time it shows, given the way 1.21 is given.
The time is 6.56
